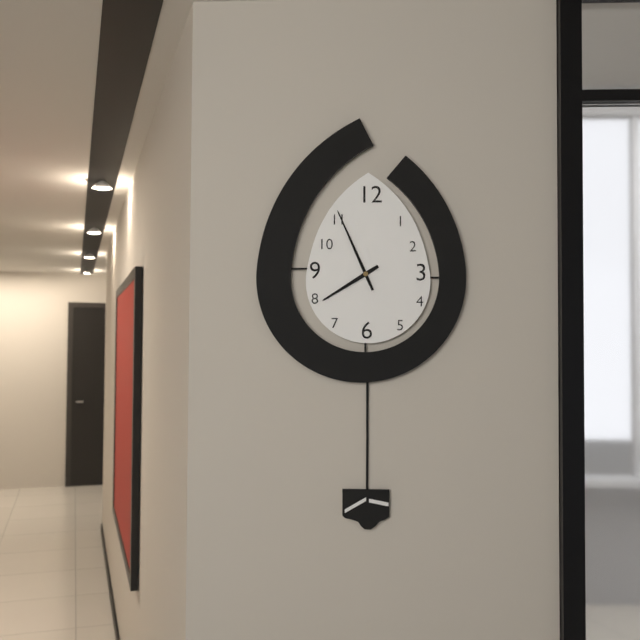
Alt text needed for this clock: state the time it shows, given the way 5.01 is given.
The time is 7.56
